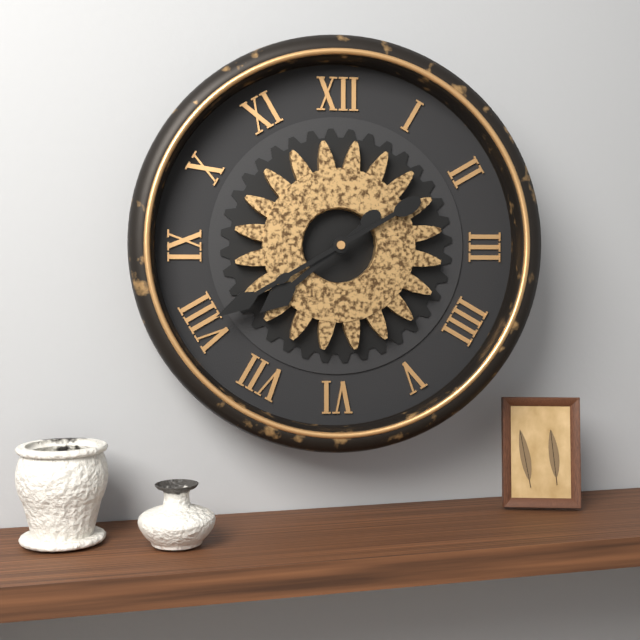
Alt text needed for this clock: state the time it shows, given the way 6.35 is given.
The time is 7.40
